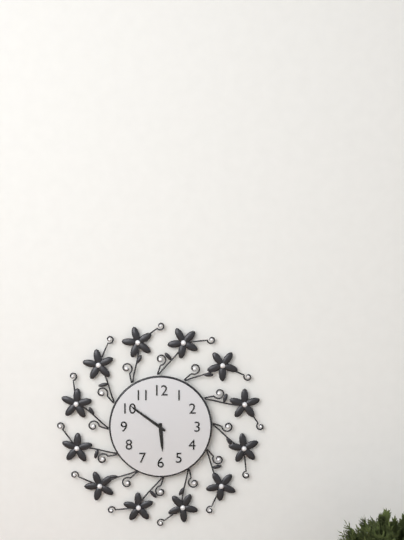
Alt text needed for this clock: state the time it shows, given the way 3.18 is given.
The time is 5.51
